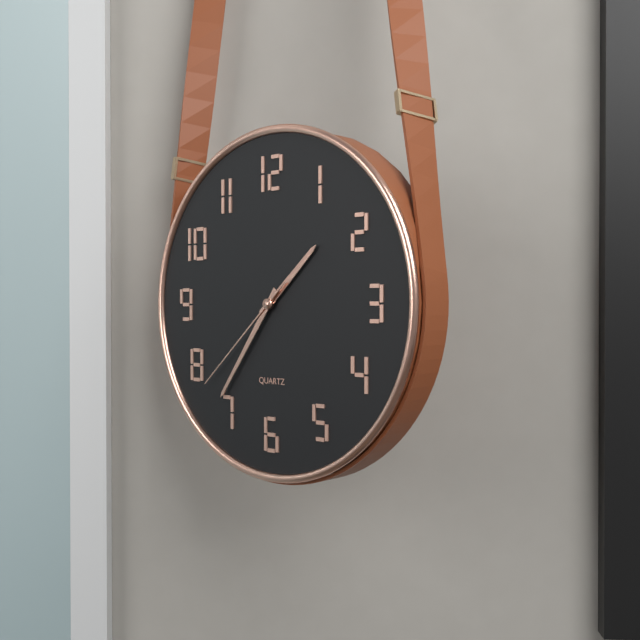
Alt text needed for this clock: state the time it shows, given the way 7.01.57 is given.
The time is 1.36.38
